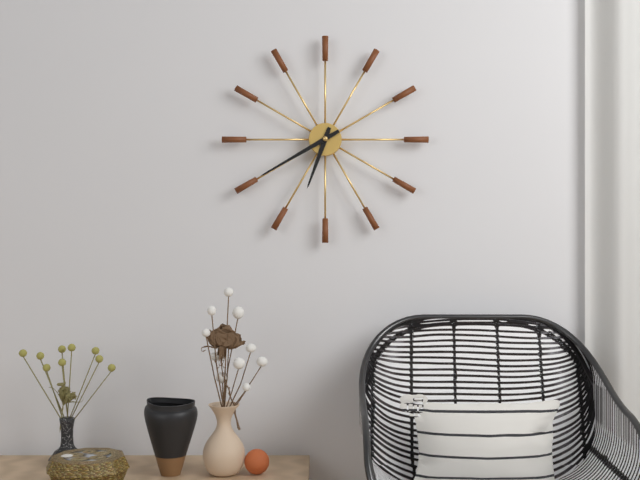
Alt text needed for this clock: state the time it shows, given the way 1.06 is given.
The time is 6.40
